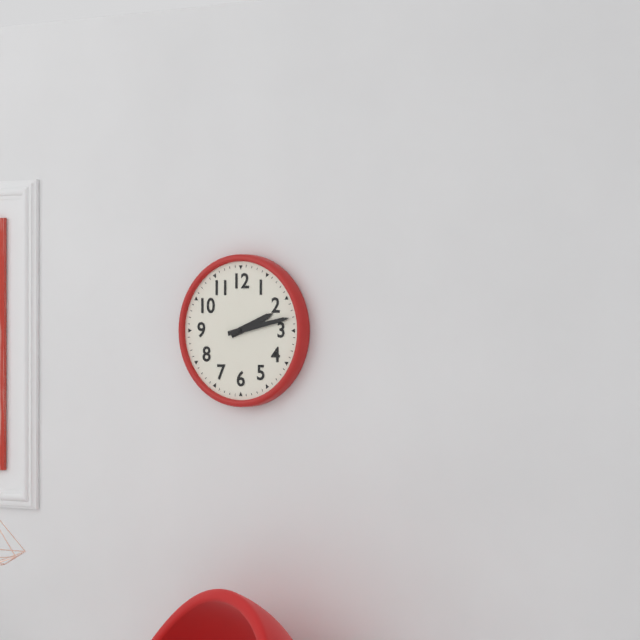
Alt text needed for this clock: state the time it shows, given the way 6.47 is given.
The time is 2.13
